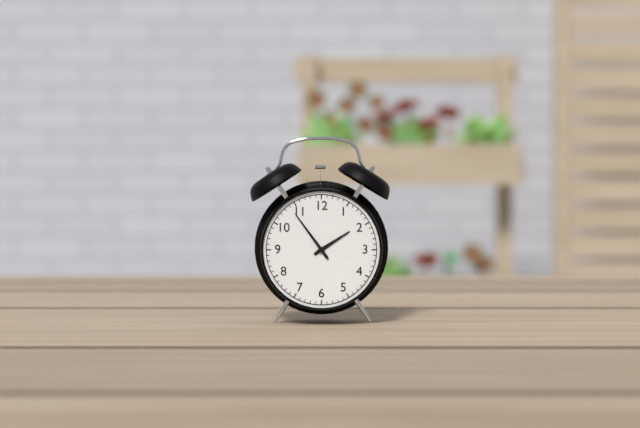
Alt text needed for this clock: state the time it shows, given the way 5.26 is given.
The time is 1.54
